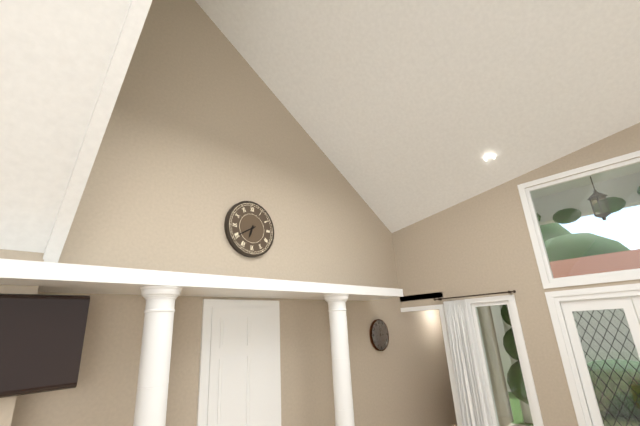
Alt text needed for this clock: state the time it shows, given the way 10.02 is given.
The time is 6.40
